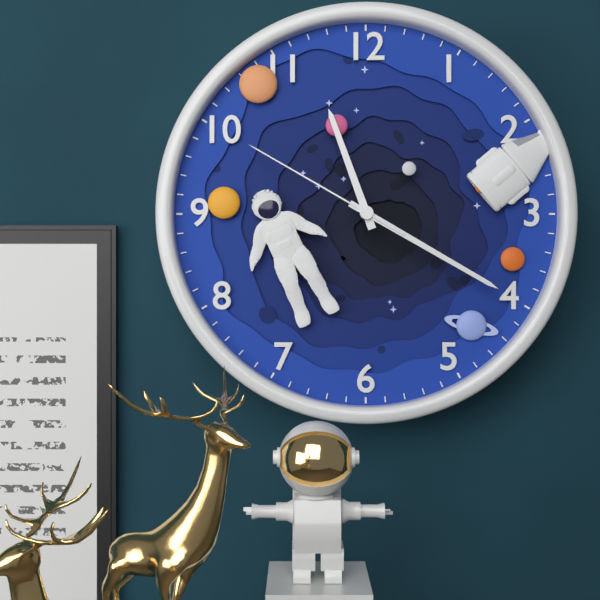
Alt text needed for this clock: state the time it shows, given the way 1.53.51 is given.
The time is 11.20.50
